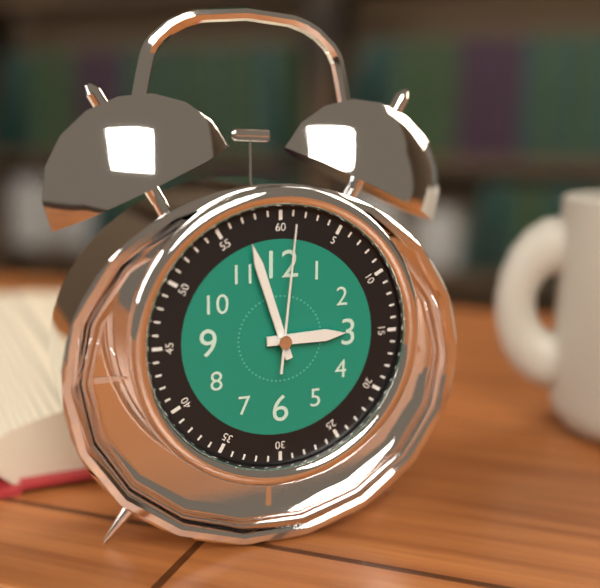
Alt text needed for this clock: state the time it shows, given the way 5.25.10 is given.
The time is 2.57.01
